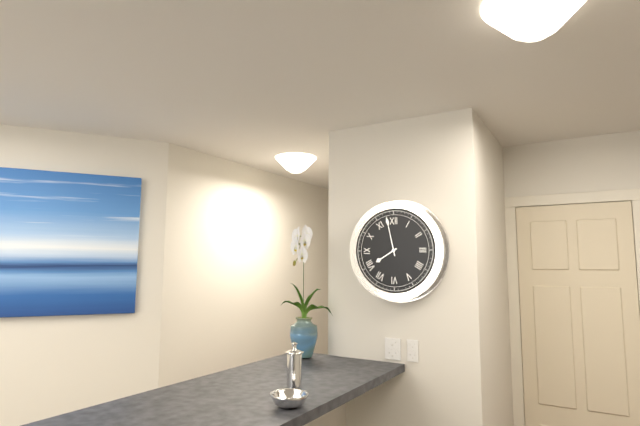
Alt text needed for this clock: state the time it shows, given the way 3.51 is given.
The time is 7.58
